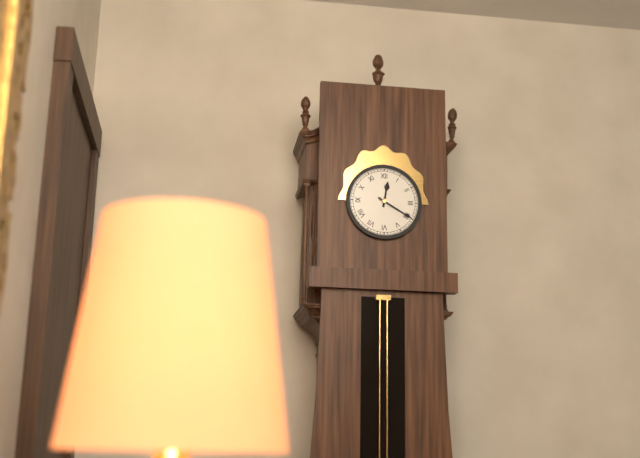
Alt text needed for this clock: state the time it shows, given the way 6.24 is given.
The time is 12.20
